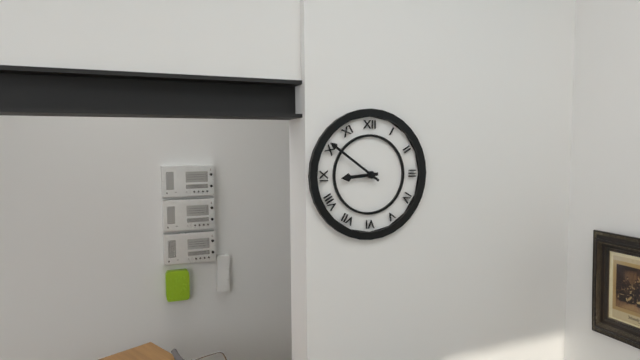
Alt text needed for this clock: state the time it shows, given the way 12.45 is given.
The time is 8.51
